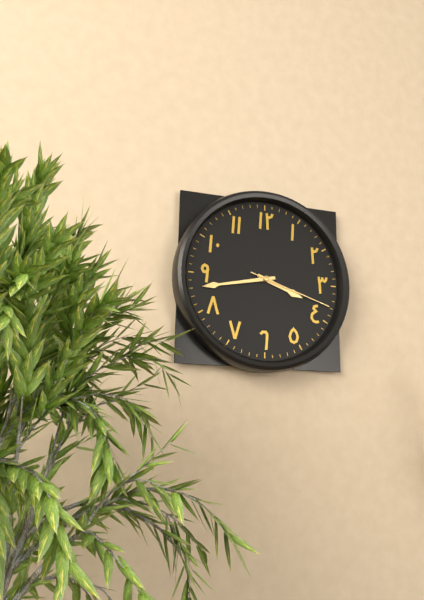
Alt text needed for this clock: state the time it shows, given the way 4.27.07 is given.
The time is 3.43.18
